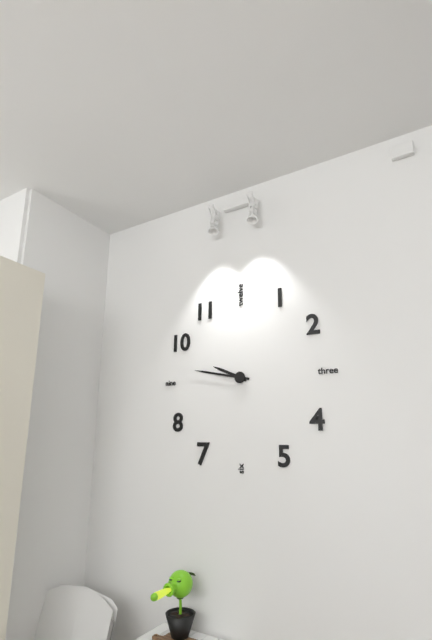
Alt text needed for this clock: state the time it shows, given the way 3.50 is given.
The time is 9.47
